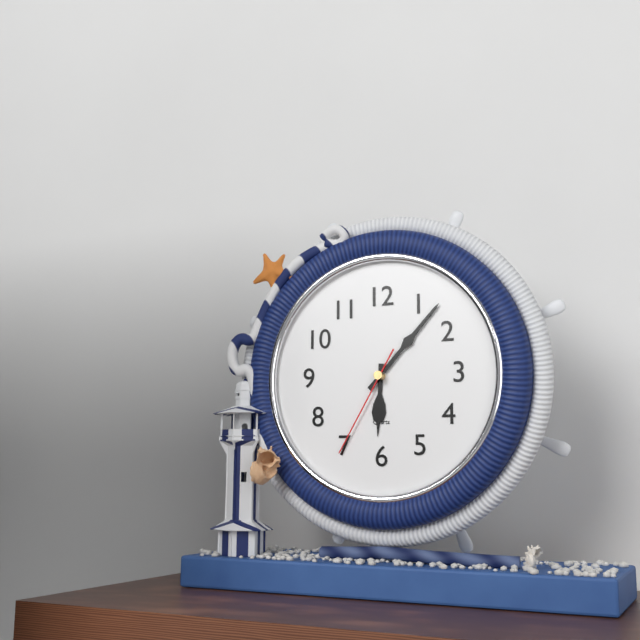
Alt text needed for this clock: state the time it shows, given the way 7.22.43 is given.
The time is 6.07.35
